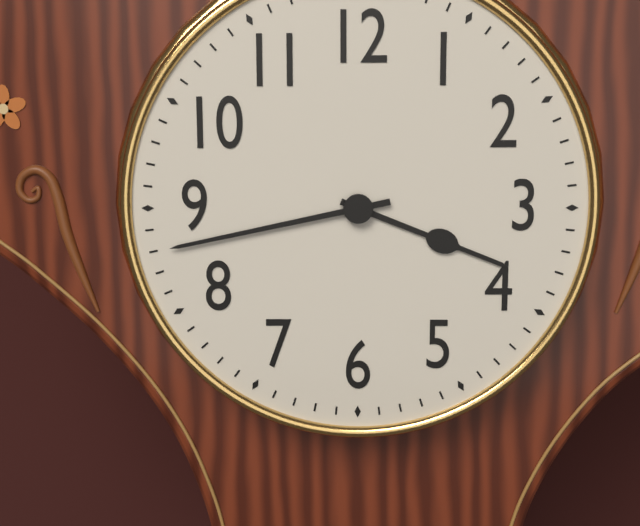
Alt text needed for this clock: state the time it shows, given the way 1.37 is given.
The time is 3.43
